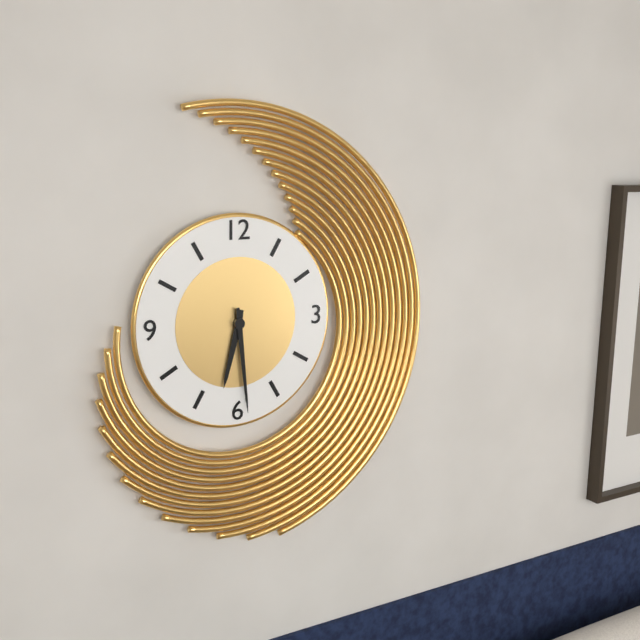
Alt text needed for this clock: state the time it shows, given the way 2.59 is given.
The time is 6.29
